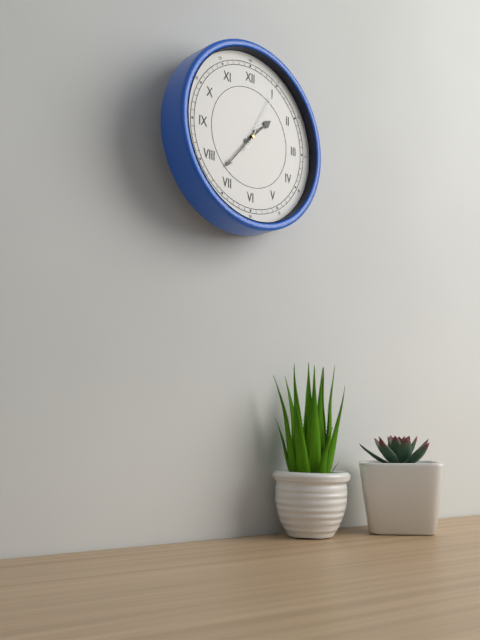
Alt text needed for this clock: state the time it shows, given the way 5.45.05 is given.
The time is 1.37.05
